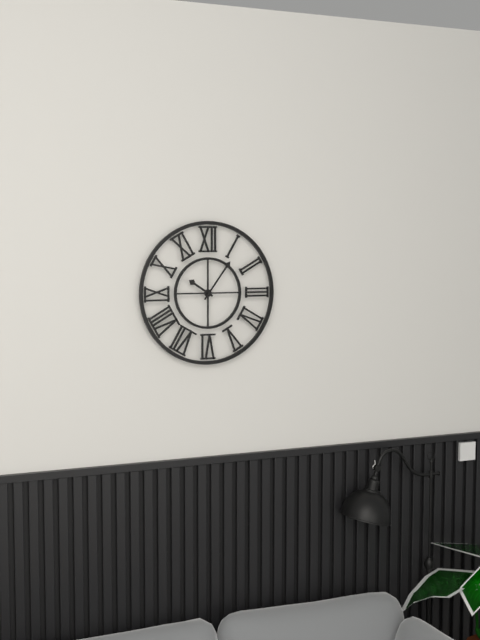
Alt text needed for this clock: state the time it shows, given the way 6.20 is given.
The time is 10.06
